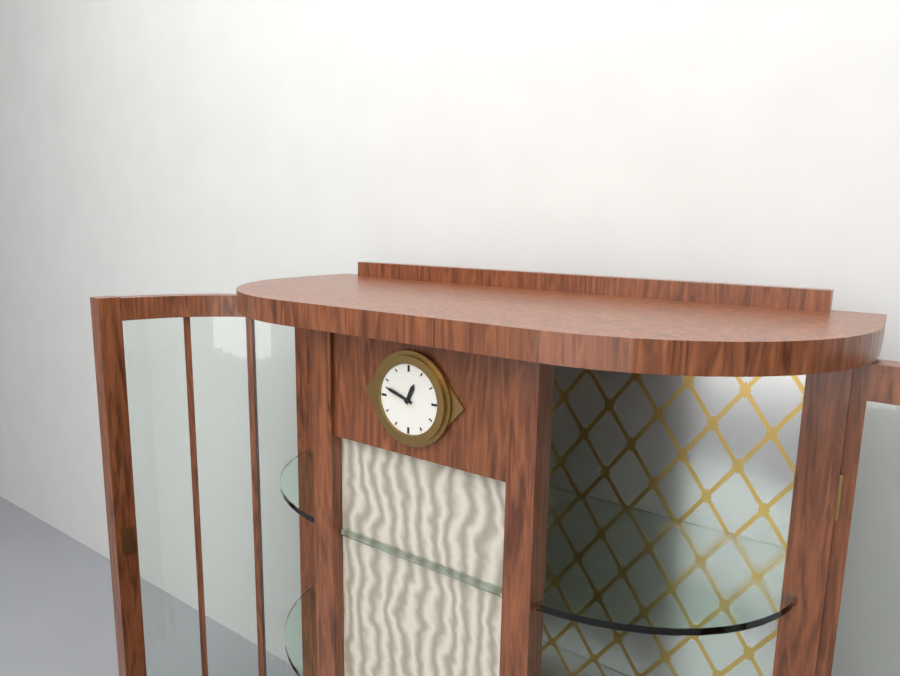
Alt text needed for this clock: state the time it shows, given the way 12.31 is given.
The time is 12.48
